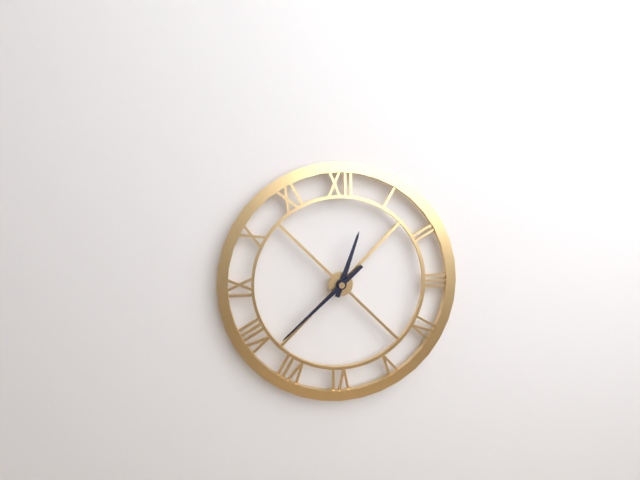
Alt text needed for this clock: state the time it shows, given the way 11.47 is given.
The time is 12.38
